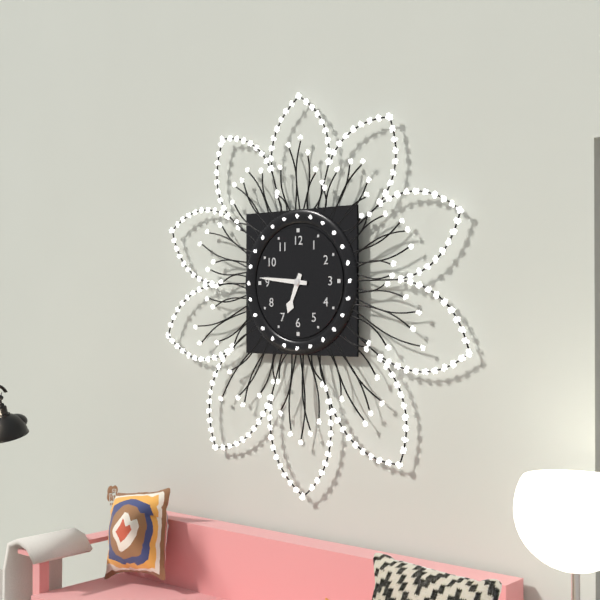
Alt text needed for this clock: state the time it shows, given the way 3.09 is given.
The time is 6.46
